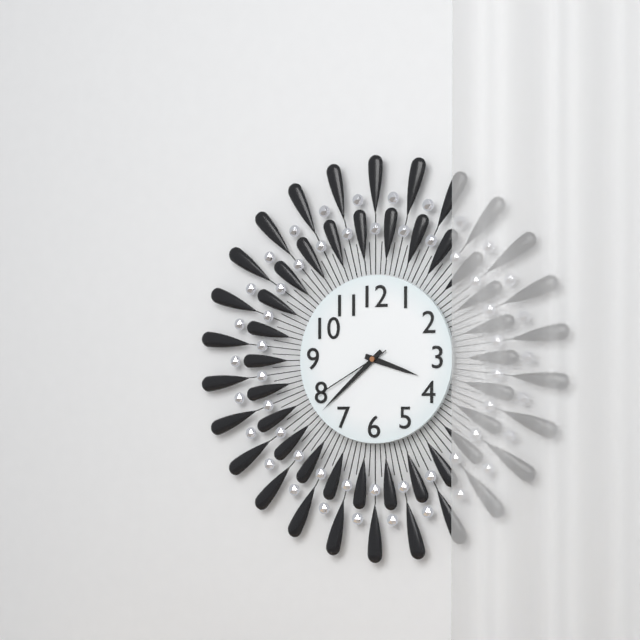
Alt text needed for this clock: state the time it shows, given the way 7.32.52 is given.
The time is 3.38.40
